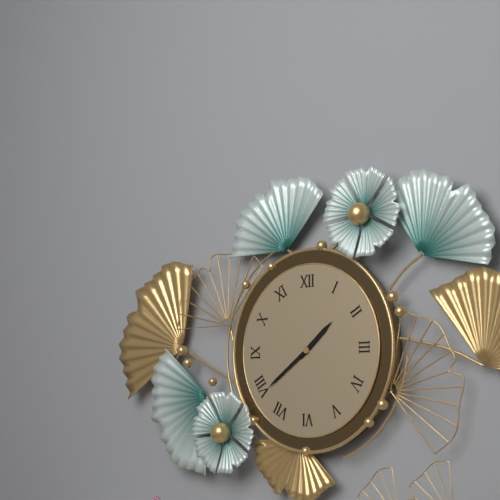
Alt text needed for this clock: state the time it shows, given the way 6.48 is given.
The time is 1.39
